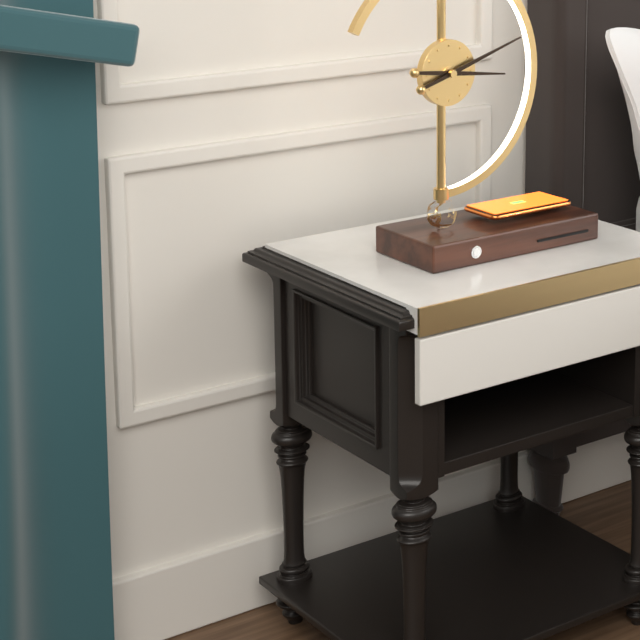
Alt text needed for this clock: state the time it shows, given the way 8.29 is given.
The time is 3.12
